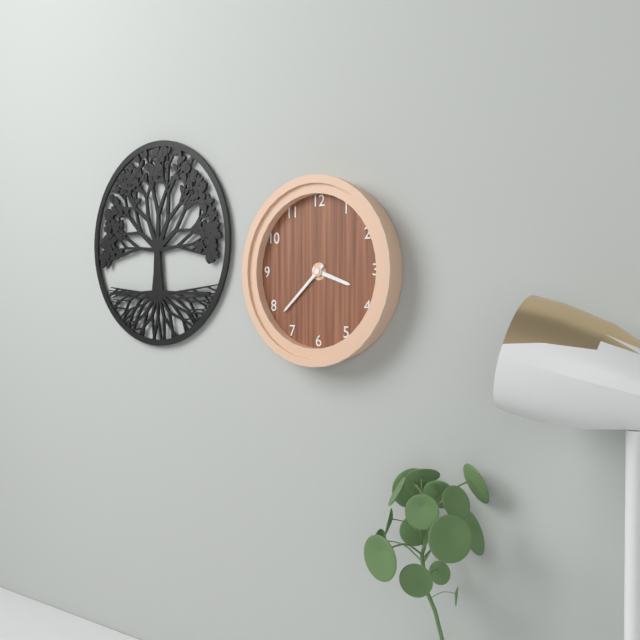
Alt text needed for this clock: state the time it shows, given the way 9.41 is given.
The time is 3.38
